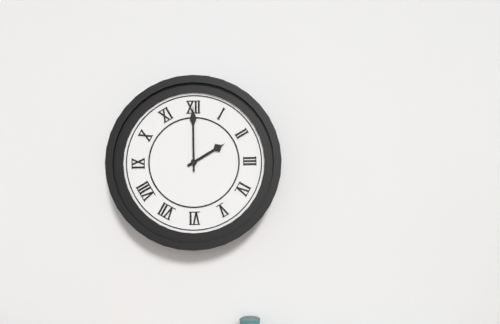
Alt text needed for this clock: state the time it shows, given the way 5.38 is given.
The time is 2.00
